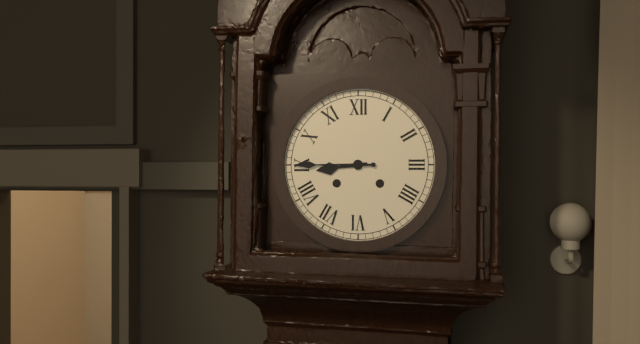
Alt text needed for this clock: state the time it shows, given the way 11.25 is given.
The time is 8.45
